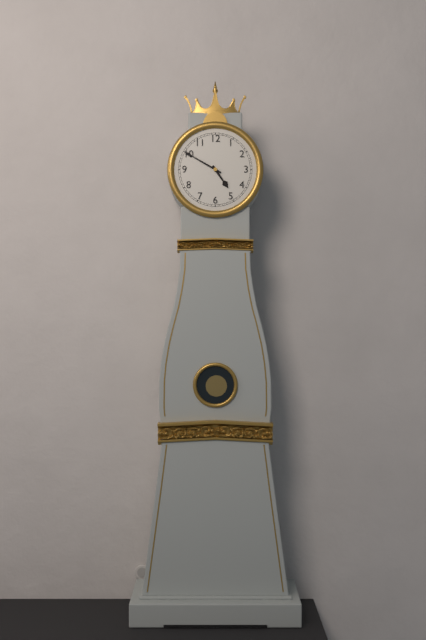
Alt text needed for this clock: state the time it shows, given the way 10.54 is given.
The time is 4.50
